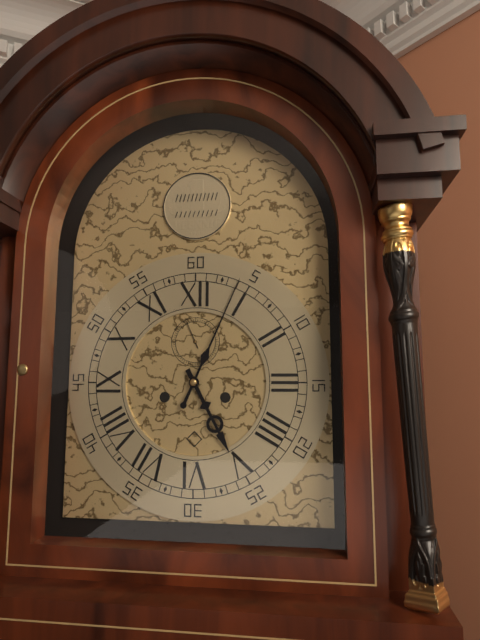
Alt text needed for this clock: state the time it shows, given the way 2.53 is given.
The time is 5.04
